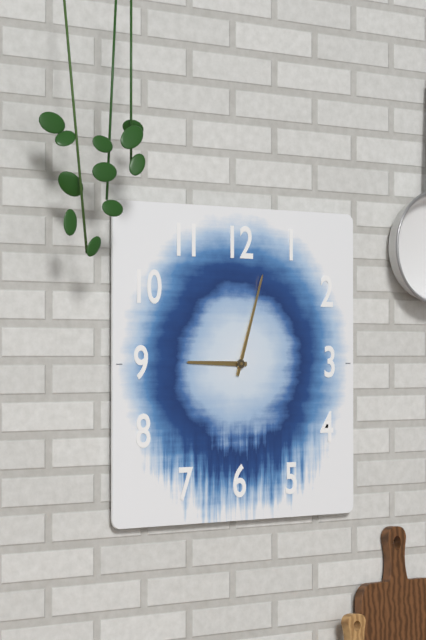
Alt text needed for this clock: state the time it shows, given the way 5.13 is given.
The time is 9.03
